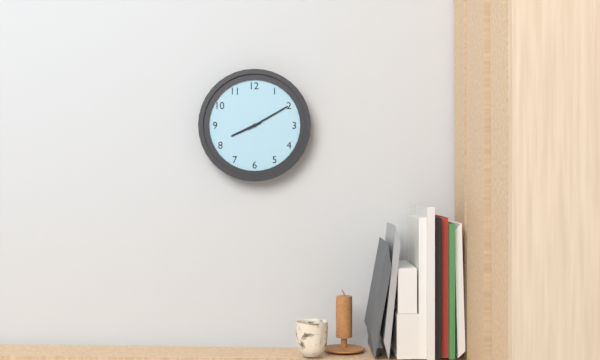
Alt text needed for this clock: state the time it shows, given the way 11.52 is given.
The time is 8.10
